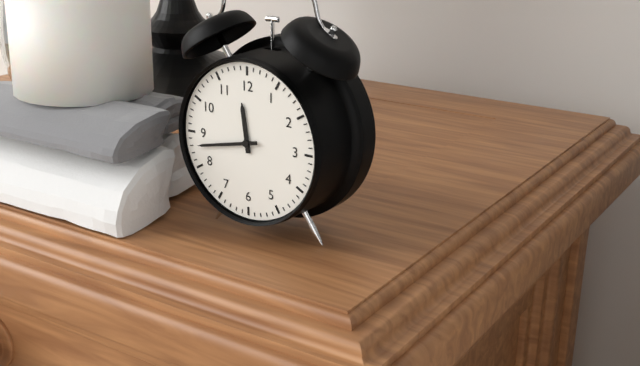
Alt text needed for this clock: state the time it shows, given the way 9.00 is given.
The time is 11.43
